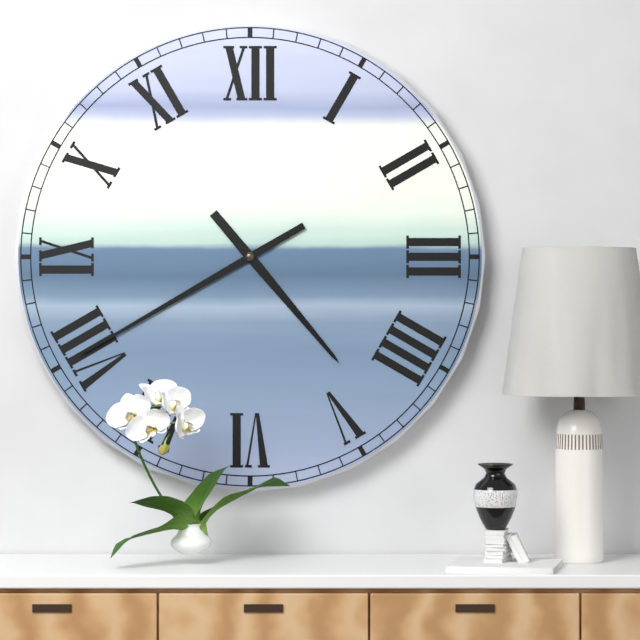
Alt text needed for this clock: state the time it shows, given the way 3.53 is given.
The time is 4.40
